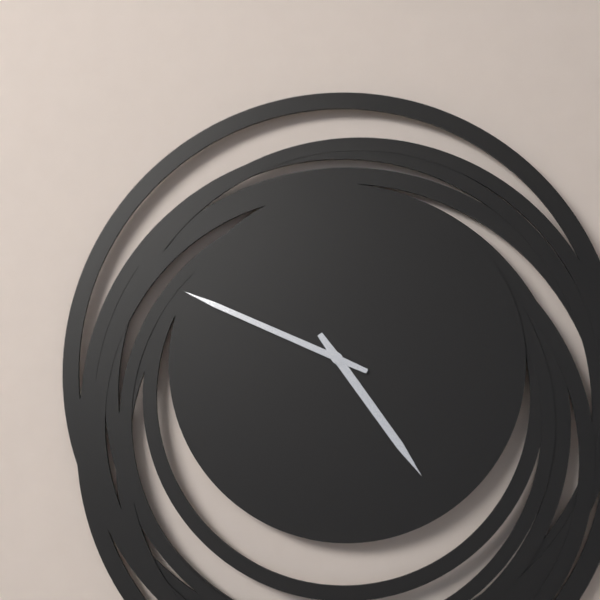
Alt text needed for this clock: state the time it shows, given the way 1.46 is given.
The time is 4.49
